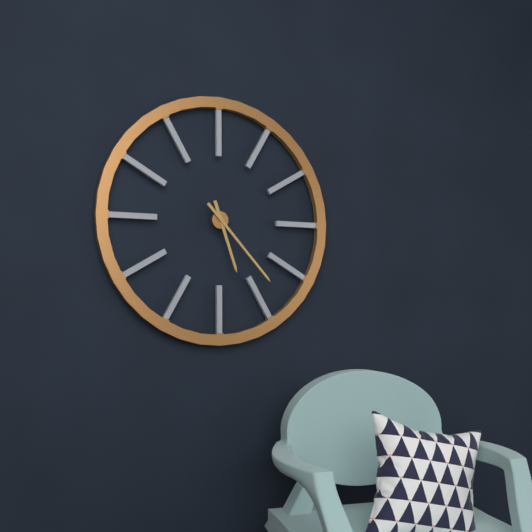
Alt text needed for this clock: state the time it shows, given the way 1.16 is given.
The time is 5.23
